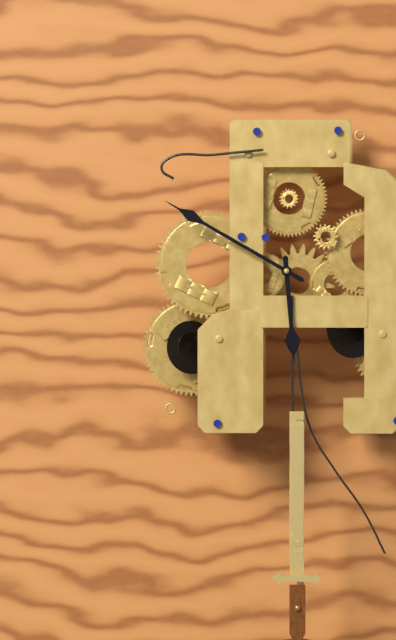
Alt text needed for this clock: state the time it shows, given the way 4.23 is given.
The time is 5.50
